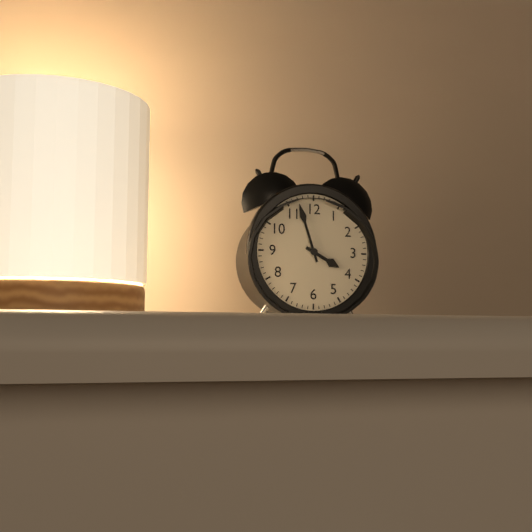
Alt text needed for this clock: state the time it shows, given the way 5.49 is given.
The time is 3.57
